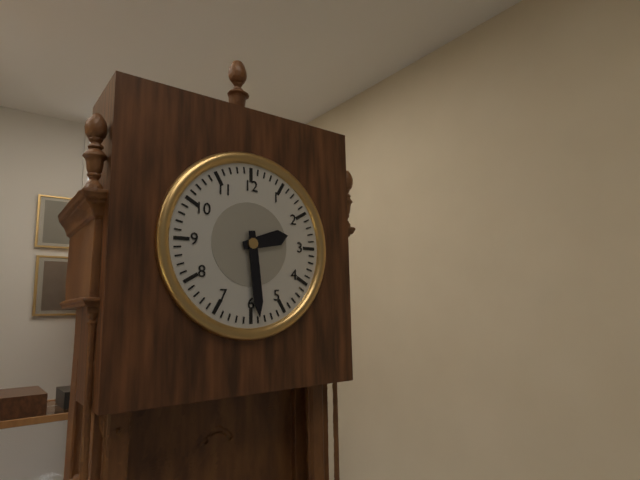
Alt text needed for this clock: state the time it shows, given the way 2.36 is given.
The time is 2.29
